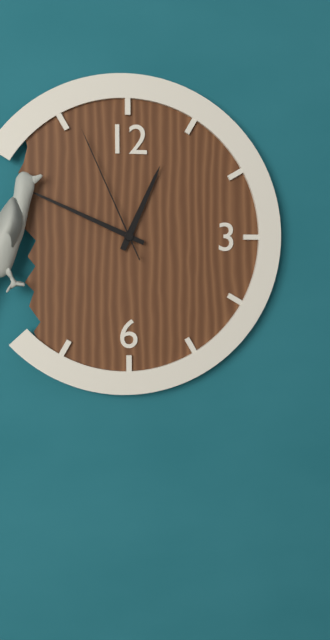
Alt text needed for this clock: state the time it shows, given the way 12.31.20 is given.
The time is 12.49.56
